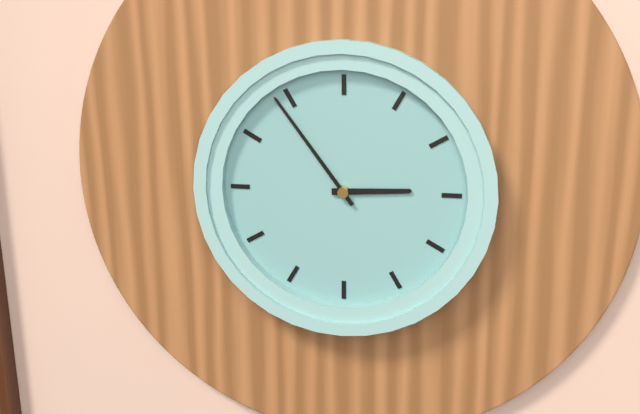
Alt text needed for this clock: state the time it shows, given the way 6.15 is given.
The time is 2.54
